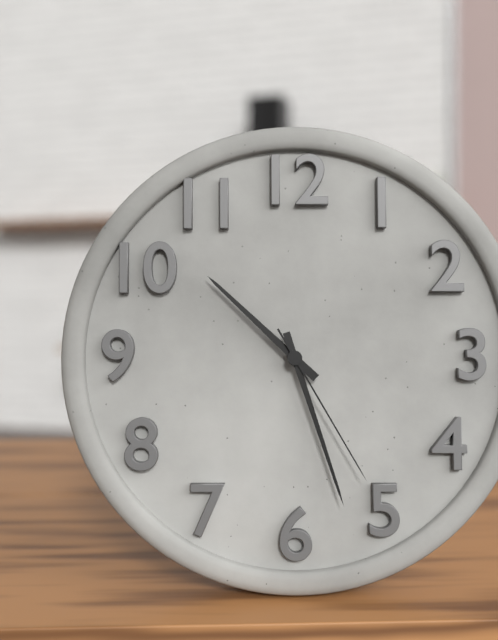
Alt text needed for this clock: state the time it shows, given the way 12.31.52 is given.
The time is 10.27.25
